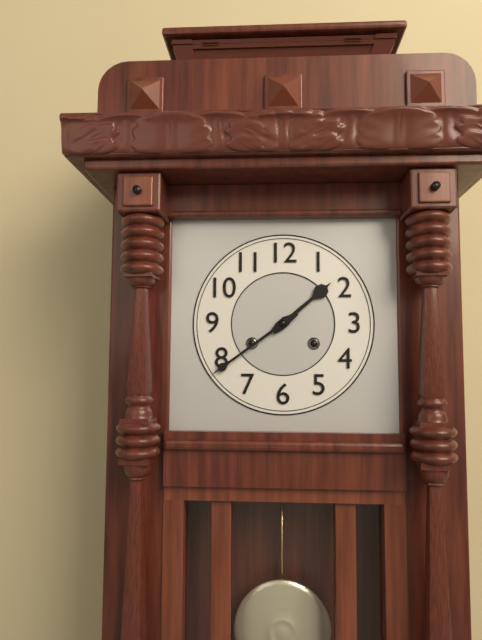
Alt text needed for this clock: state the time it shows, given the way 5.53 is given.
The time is 1.39
